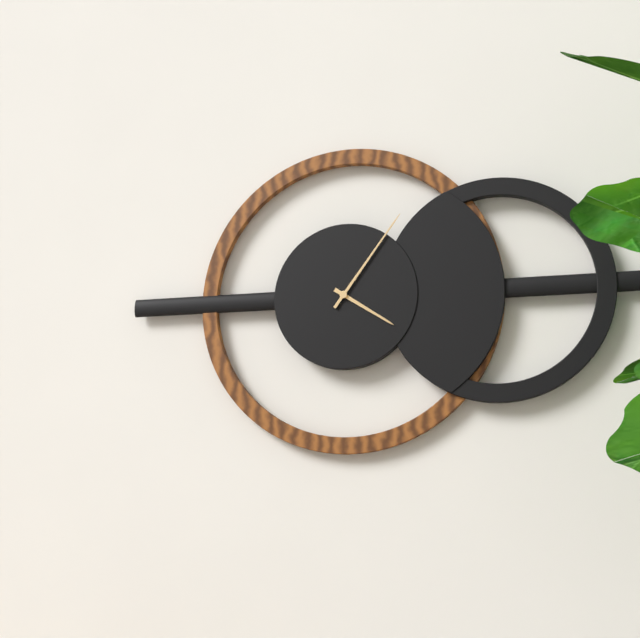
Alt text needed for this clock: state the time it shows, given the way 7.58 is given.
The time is 4.06
